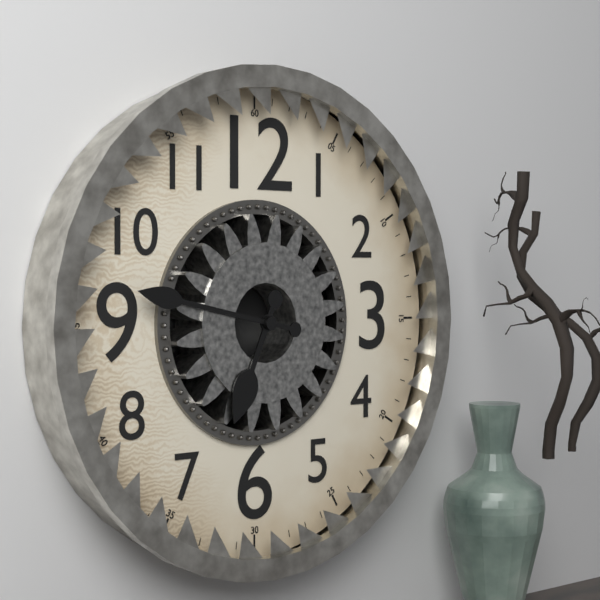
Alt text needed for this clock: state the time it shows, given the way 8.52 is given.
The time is 6.47
